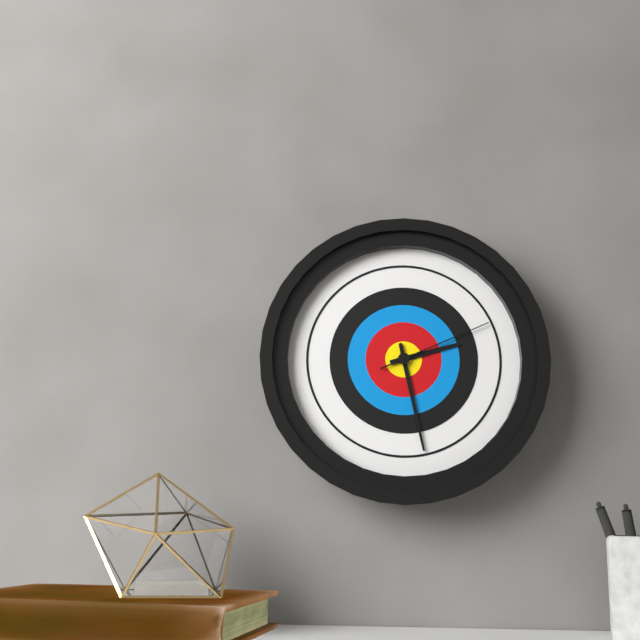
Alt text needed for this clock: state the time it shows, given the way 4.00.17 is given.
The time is 2.28.11
